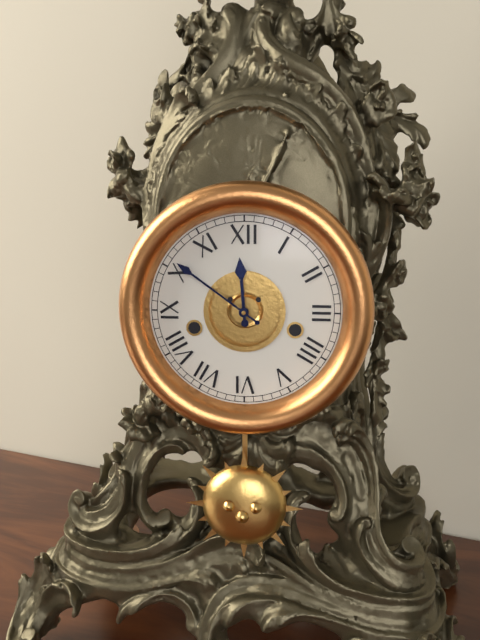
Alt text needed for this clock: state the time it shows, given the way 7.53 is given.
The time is 11.51
